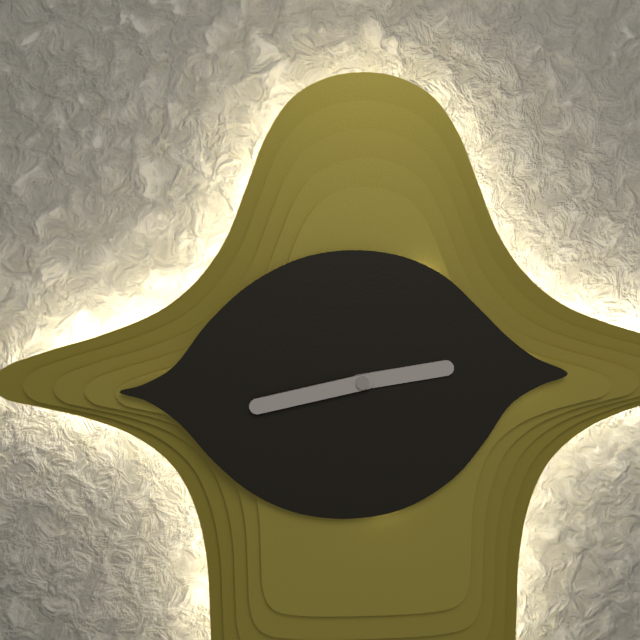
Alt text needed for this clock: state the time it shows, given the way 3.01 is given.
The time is 2.43
